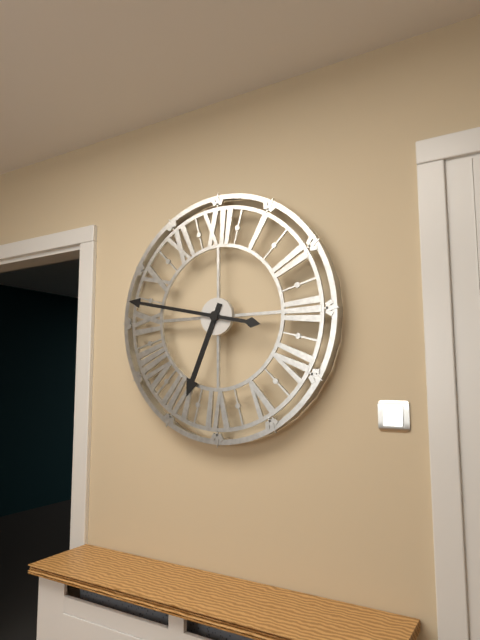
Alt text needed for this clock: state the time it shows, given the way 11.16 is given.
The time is 6.47
